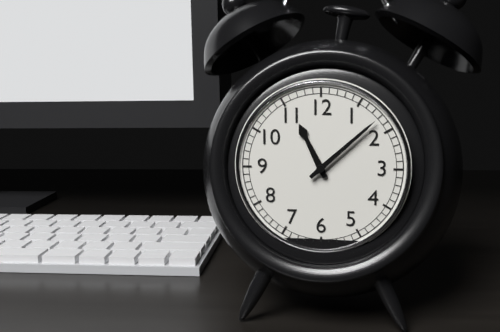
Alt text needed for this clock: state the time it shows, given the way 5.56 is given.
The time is 11.08
